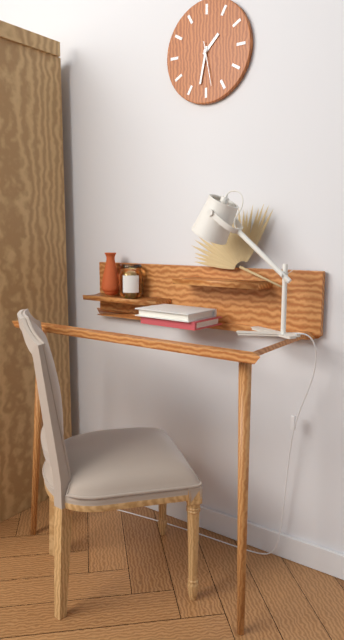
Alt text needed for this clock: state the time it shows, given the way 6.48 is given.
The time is 1.32
